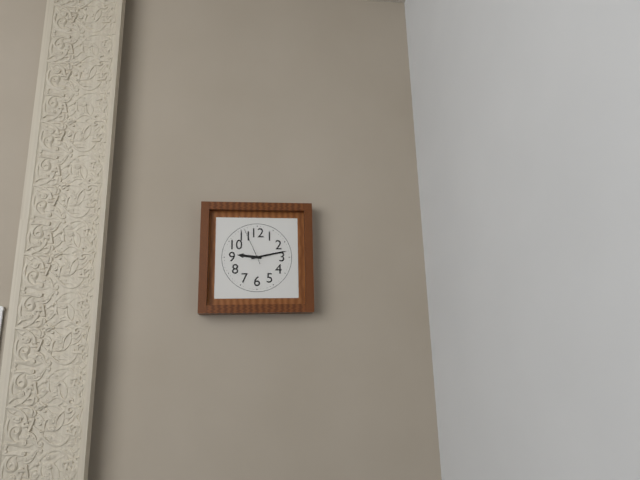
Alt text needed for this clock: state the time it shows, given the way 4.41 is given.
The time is 9.13
